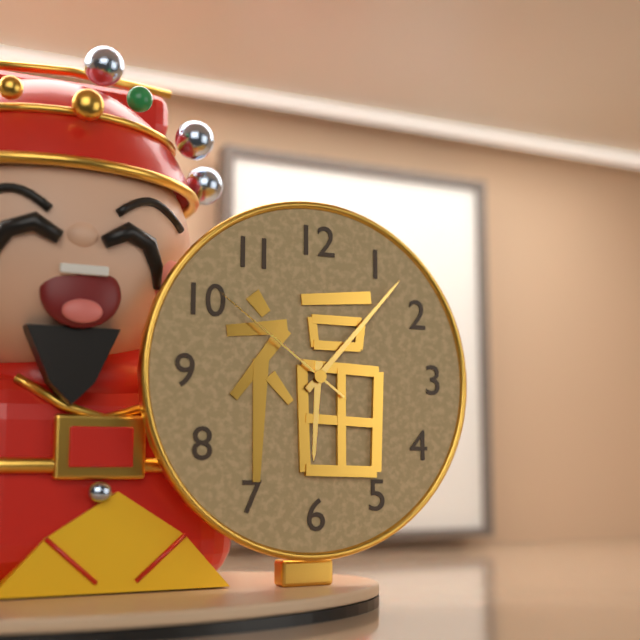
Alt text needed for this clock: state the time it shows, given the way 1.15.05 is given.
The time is 6.07.51
